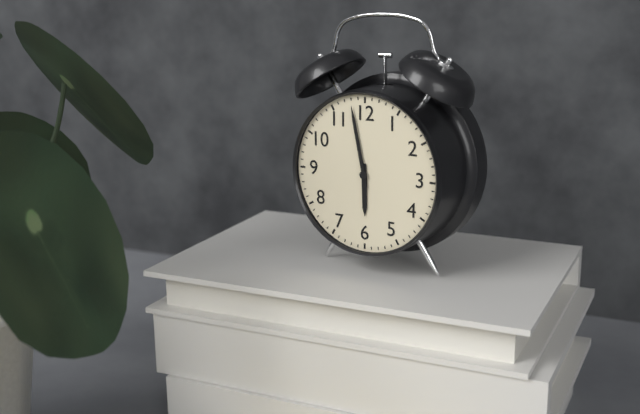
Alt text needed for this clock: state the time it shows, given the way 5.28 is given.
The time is 5.58
